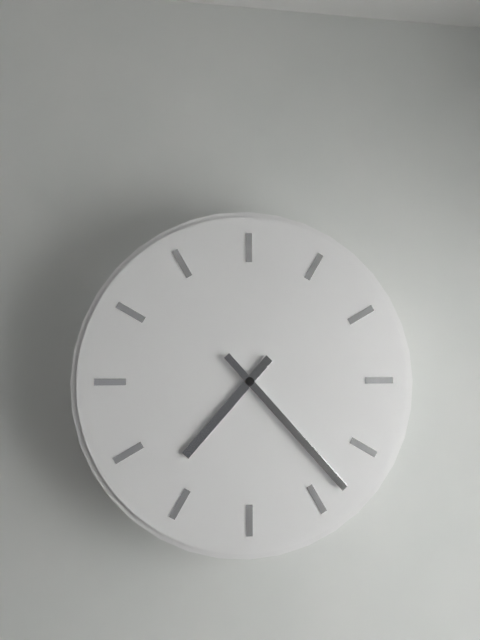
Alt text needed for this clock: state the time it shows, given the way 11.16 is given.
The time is 7.23
